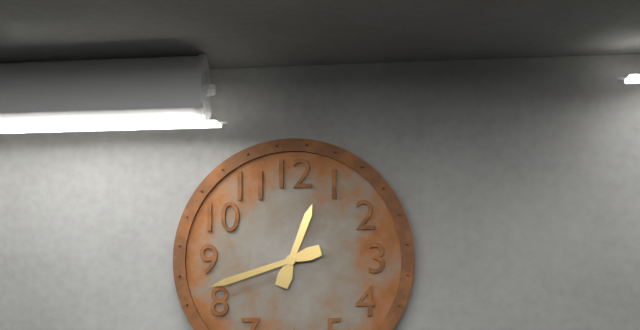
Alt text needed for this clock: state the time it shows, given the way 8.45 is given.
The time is 12.42
